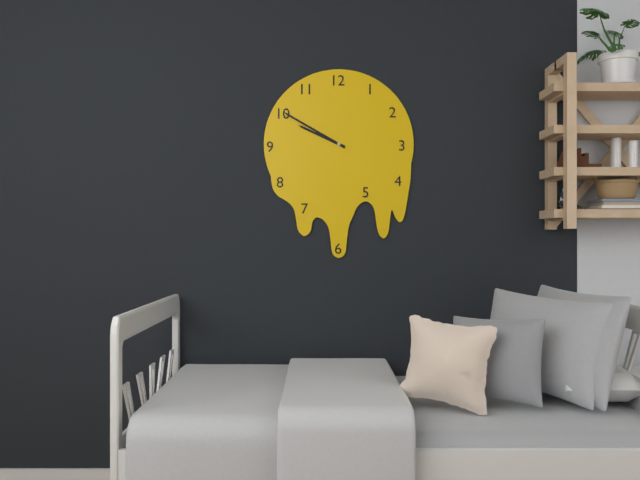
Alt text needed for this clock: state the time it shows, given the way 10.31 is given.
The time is 9.50
